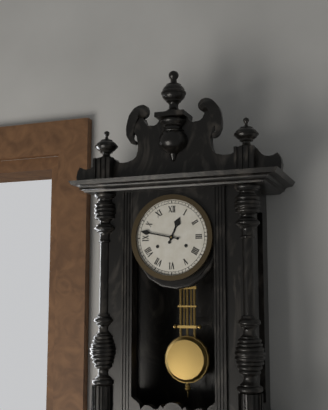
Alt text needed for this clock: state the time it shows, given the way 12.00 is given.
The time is 12.47
